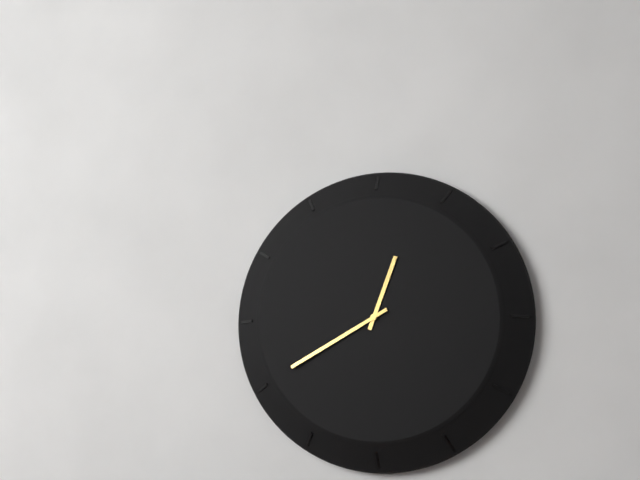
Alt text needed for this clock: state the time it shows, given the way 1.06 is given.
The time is 12.40
